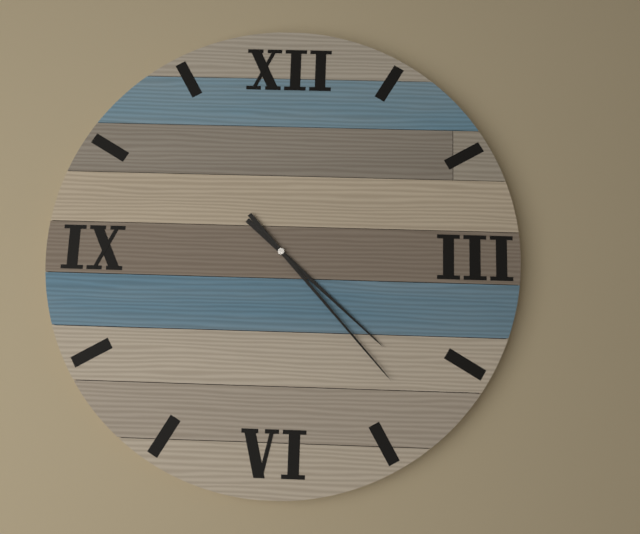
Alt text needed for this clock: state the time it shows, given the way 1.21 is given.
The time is 4.23
